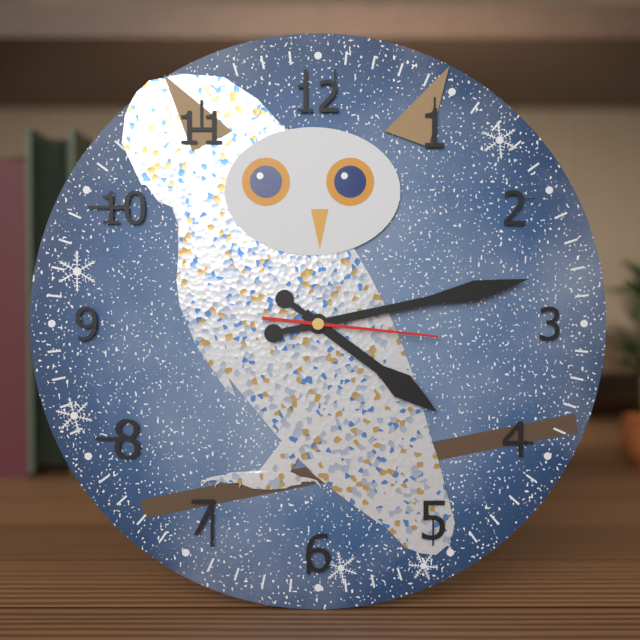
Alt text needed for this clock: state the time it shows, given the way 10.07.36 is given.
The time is 4.13.16
